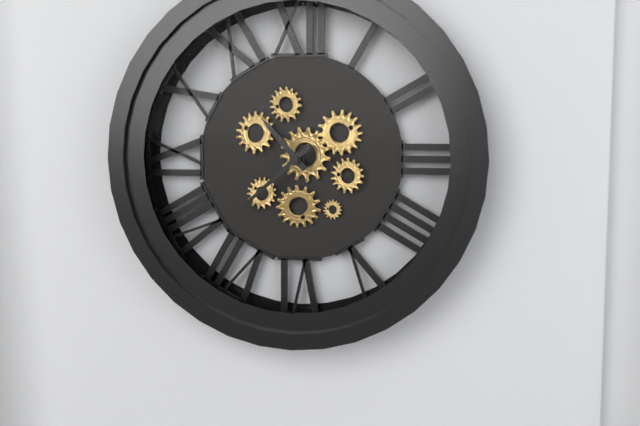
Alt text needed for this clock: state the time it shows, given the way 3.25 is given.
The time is 10.38
